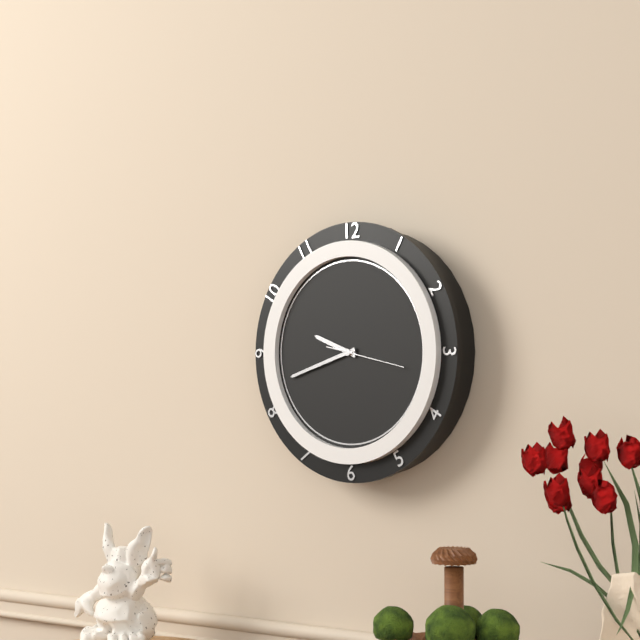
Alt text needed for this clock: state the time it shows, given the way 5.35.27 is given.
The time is 9.42.17
